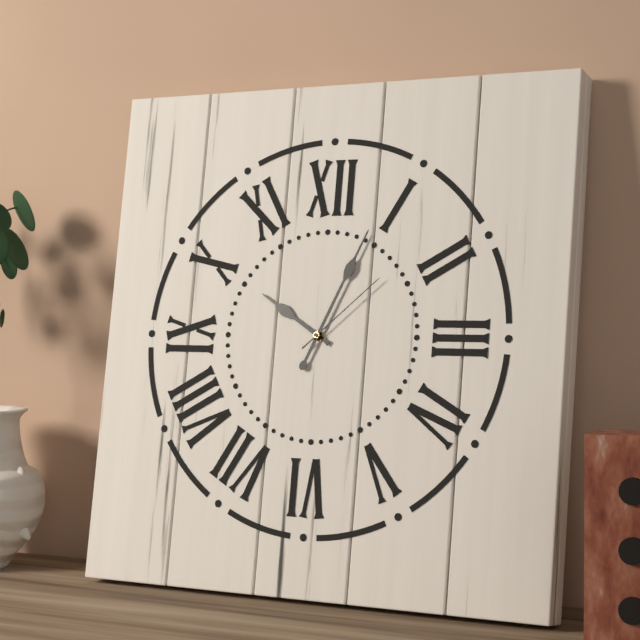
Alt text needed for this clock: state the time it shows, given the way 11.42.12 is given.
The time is 10.04.08
